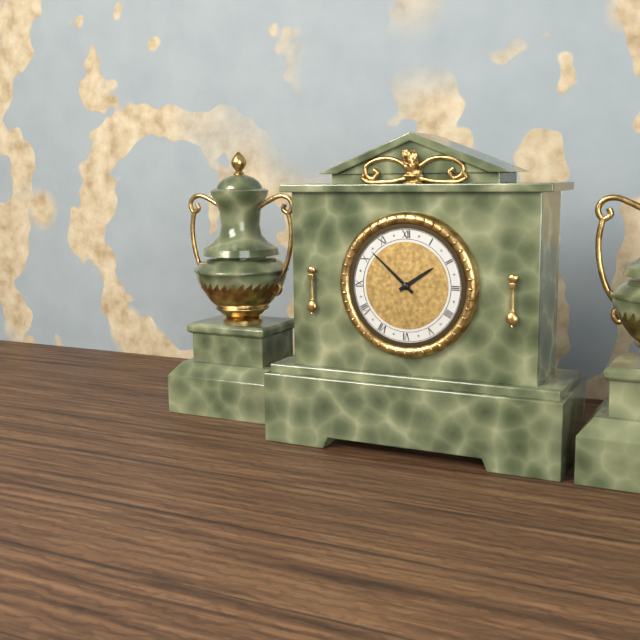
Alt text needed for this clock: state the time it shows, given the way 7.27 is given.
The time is 1.52
